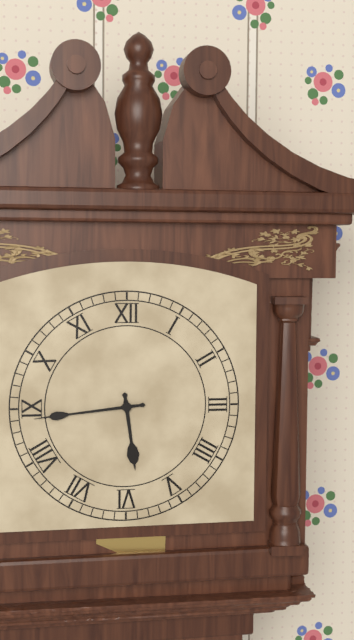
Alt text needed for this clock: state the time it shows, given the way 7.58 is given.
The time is 5.44
